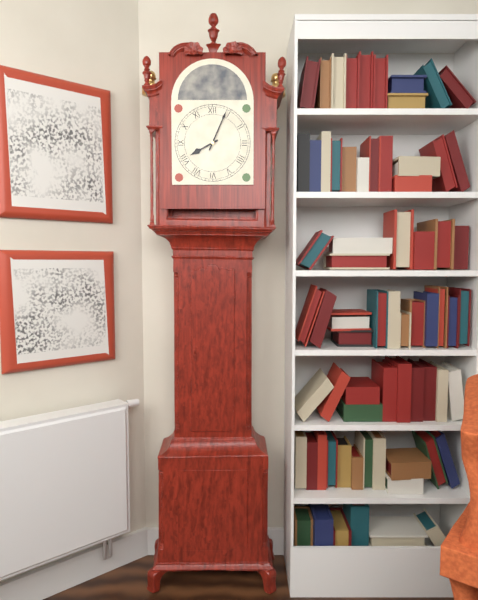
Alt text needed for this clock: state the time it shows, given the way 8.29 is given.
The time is 8.04
